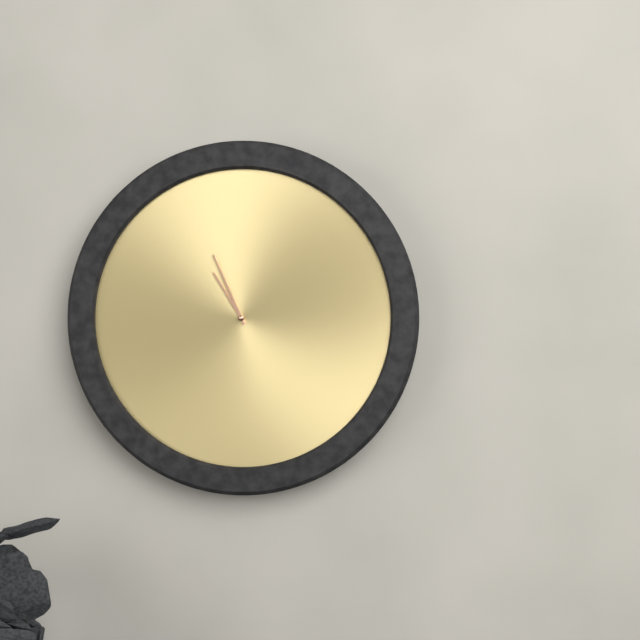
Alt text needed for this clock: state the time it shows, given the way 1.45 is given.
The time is 10.56
